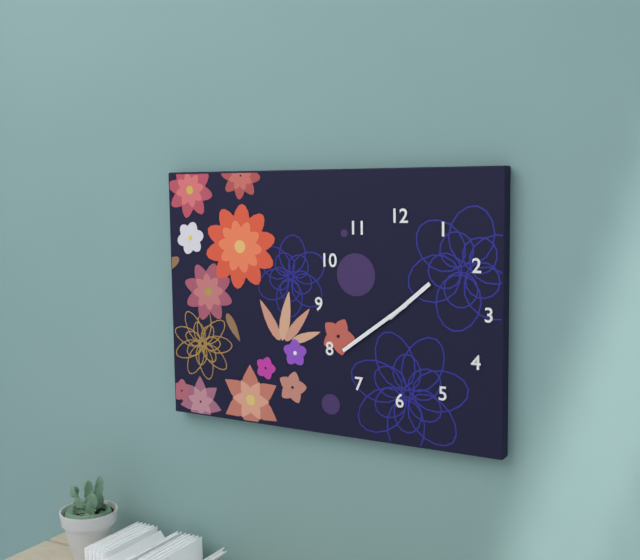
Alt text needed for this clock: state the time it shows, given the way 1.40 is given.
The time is 1.39
